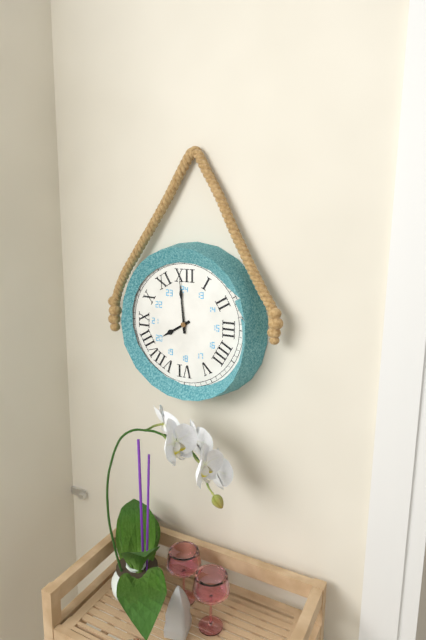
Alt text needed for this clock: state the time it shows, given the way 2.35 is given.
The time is 7.59
